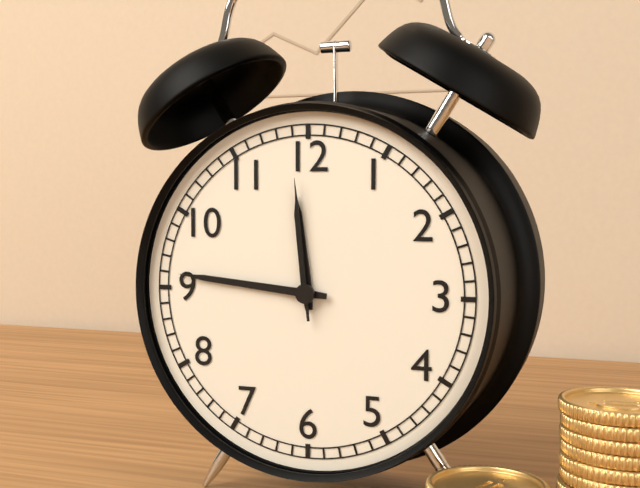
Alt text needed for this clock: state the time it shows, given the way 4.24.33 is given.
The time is 11.46.59
